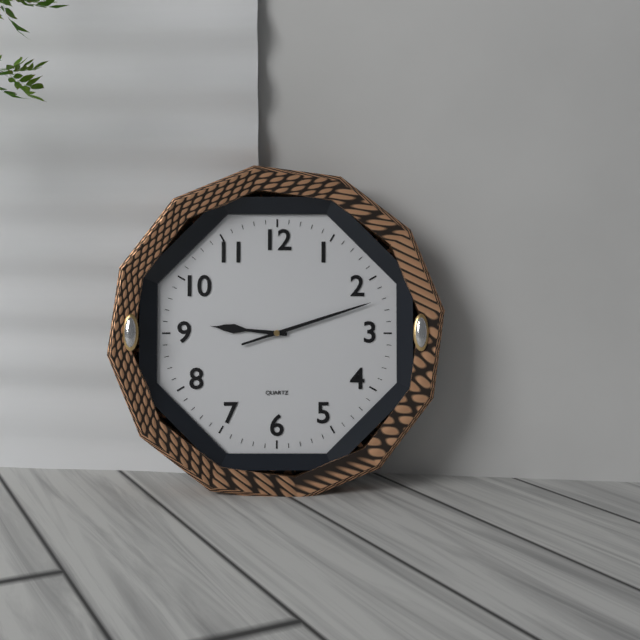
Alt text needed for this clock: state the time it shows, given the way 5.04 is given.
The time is 9.12
